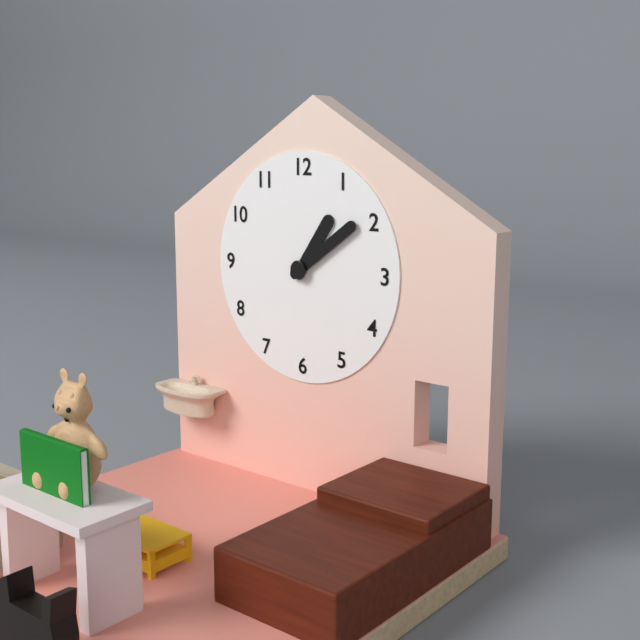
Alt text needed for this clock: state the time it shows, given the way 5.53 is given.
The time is 1.09
